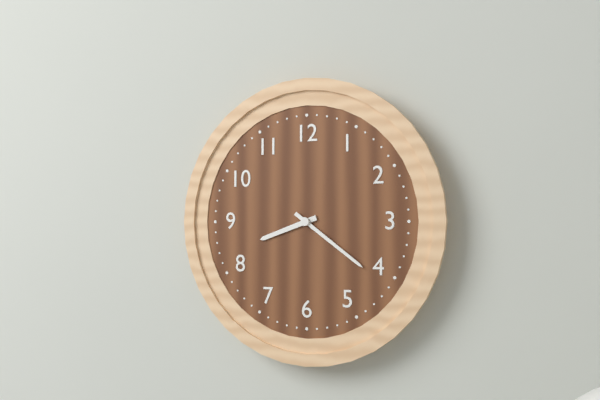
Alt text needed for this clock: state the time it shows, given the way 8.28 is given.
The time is 8.21
